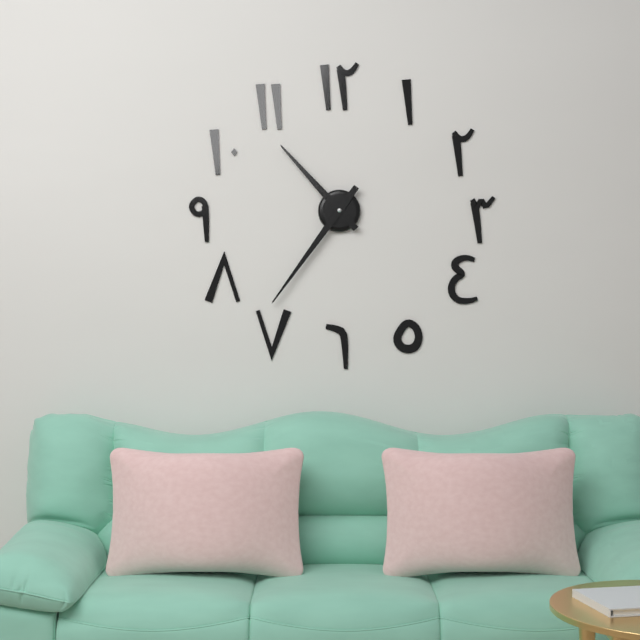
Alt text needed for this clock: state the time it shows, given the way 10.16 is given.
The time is 10.36
